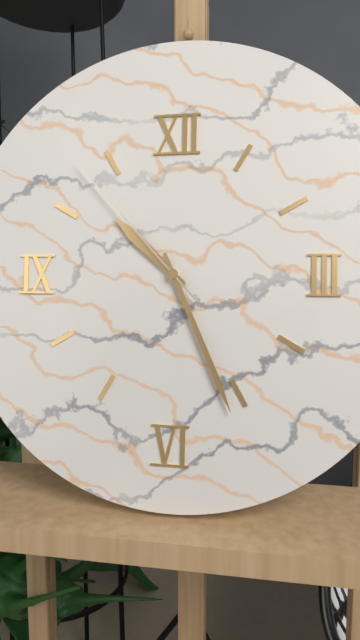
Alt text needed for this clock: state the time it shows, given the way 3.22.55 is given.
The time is 10.26.53
